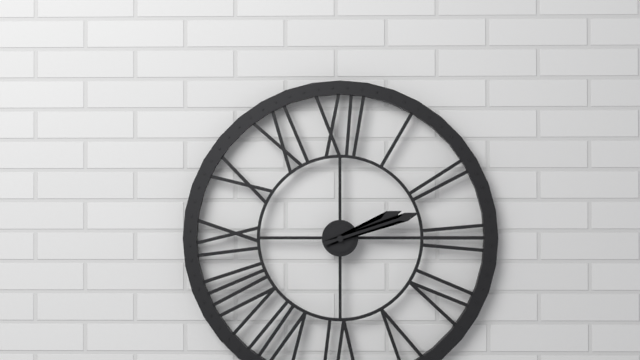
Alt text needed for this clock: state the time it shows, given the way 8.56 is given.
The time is 2.12
